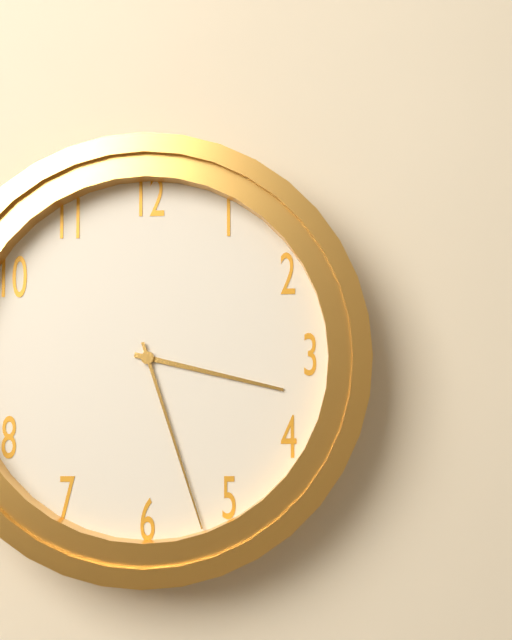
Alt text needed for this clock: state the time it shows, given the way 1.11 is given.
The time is 3.27
